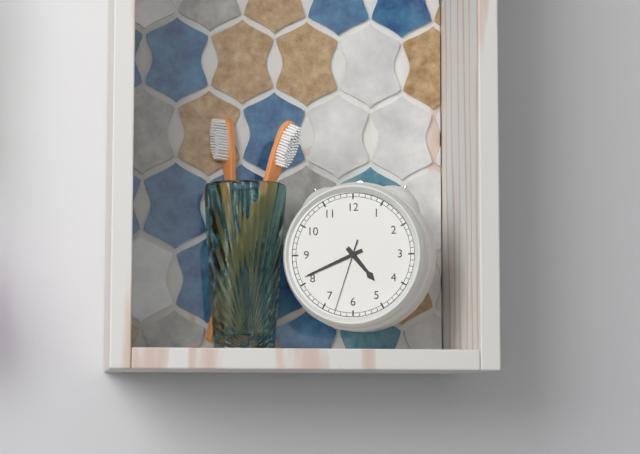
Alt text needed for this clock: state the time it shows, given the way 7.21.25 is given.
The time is 4.41.33
